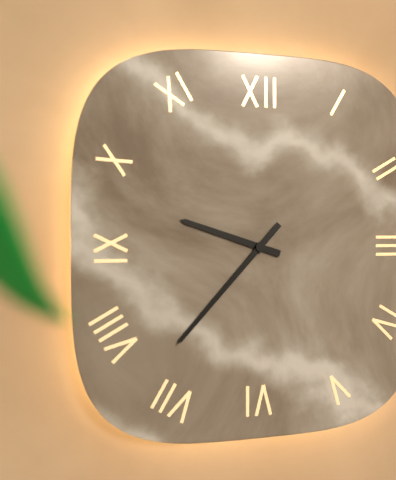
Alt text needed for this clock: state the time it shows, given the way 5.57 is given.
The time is 9.37
